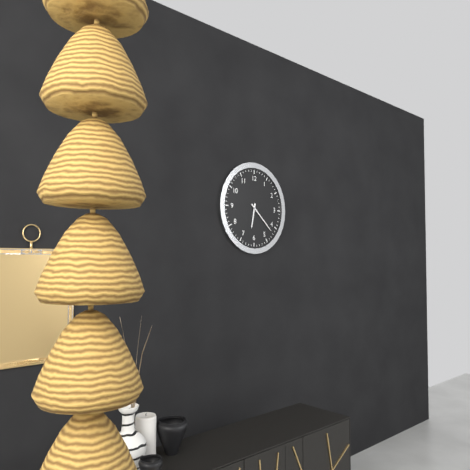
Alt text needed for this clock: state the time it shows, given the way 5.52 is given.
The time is 6.22
